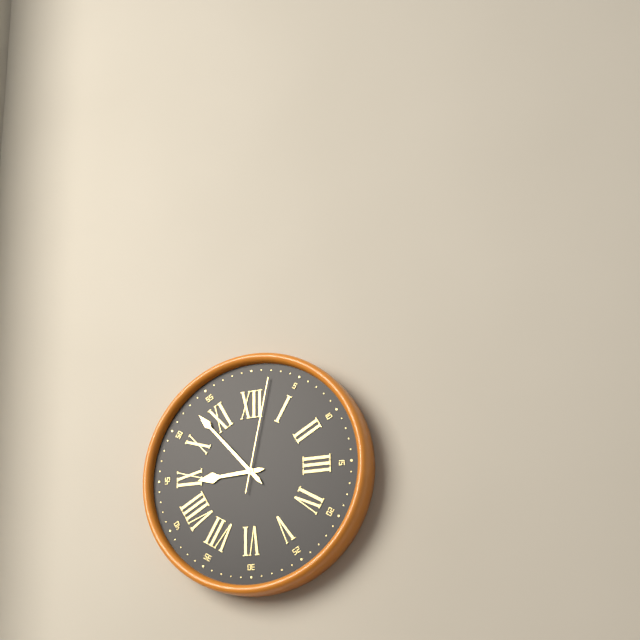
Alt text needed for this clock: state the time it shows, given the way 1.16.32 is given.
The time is 8.53.02
